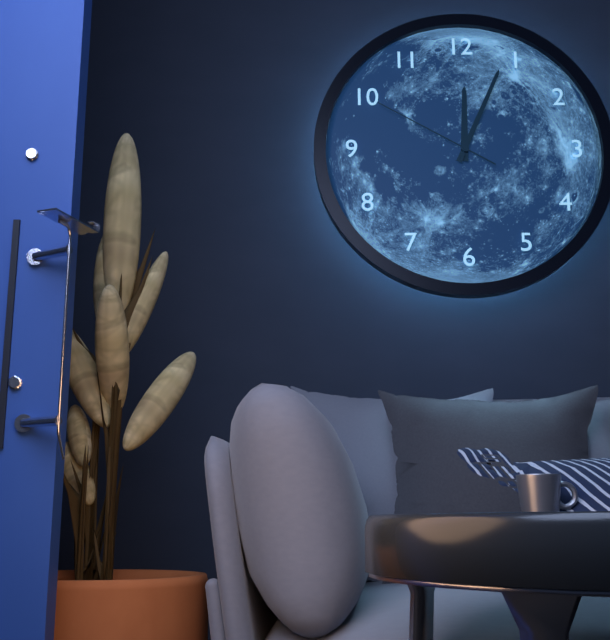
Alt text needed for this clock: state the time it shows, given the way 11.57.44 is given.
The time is 12.04.50
